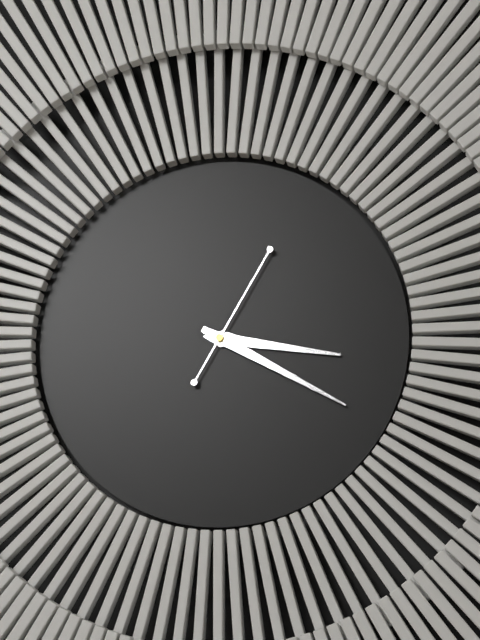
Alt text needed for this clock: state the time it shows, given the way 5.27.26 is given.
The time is 3.20.05
